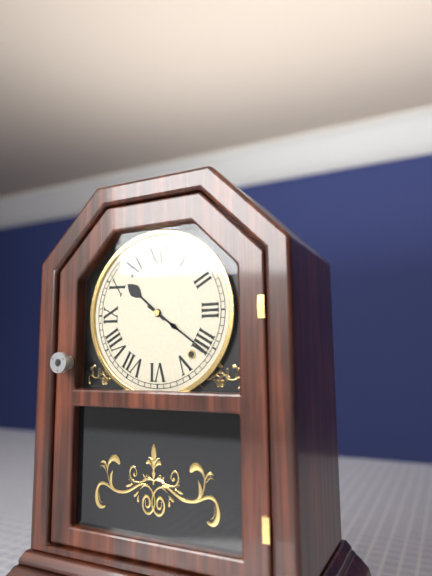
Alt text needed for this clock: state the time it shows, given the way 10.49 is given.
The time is 10.21
